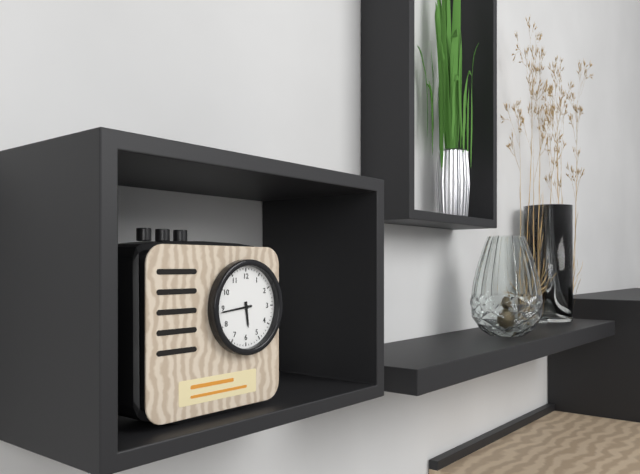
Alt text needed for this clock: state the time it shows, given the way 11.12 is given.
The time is 5.44
